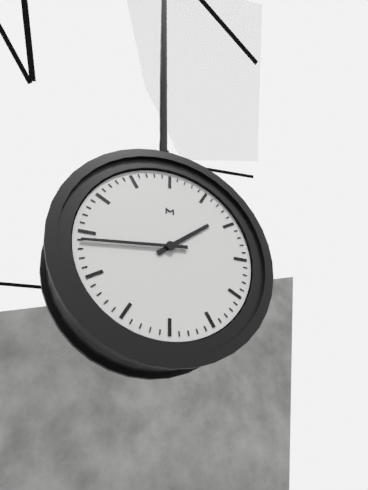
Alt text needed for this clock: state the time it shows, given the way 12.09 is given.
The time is 1.44
